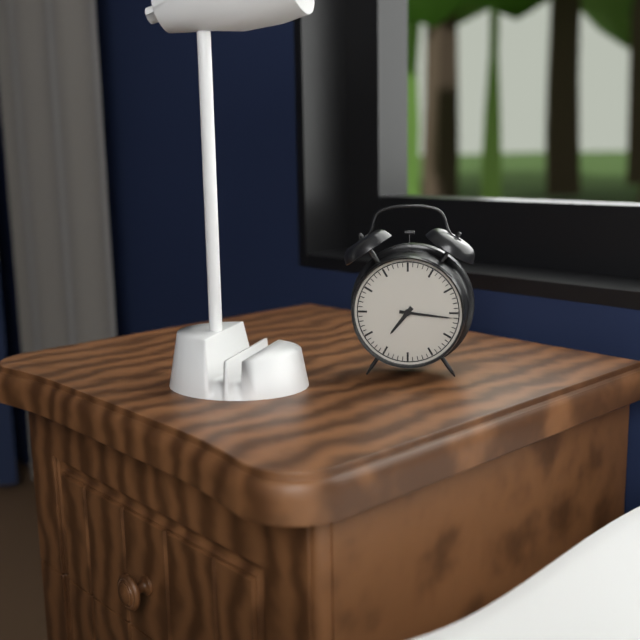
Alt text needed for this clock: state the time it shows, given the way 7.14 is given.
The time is 7.16
